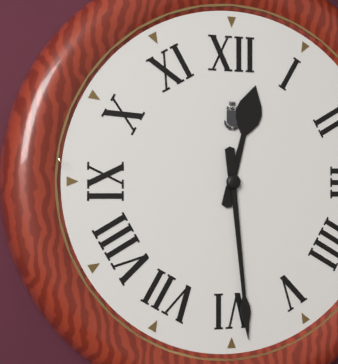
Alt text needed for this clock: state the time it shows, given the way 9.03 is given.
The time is 12.29
